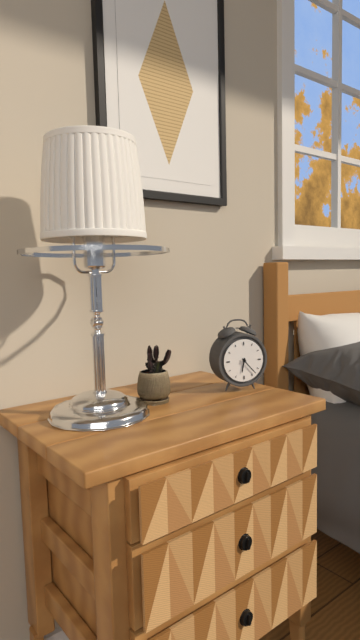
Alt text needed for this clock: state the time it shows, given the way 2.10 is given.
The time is 6.23
